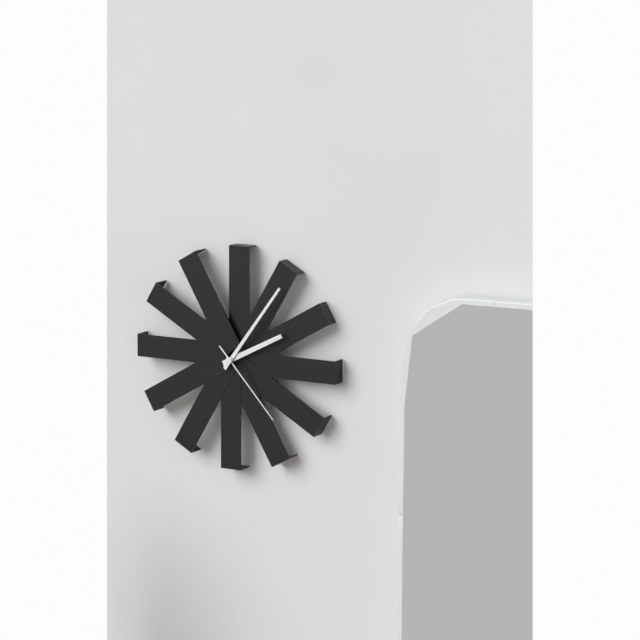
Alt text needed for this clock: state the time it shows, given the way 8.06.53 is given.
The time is 2.06.23
